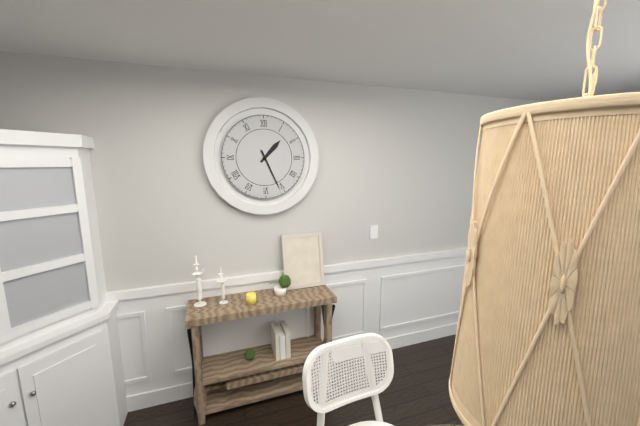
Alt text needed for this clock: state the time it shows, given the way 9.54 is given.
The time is 1.26
